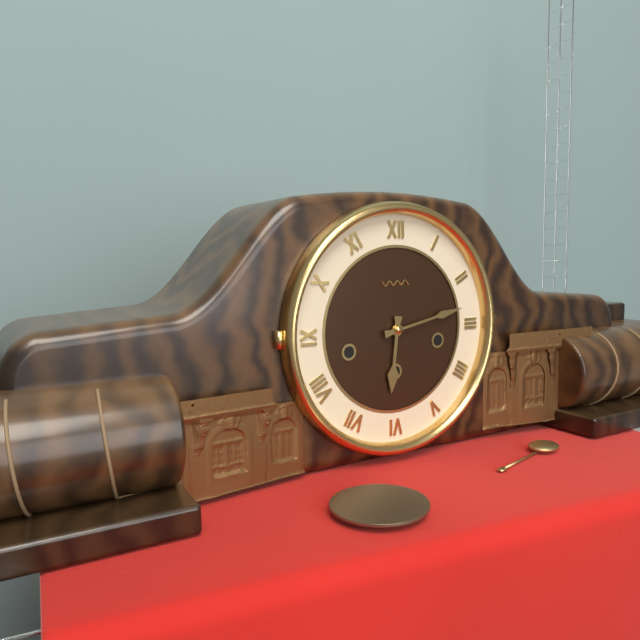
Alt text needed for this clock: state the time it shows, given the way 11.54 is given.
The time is 6.13
